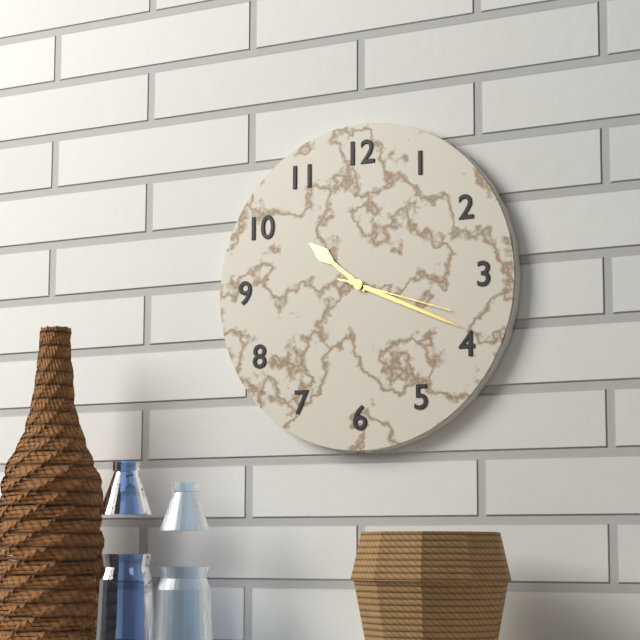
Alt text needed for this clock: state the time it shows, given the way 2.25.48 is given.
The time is 10.19.18
